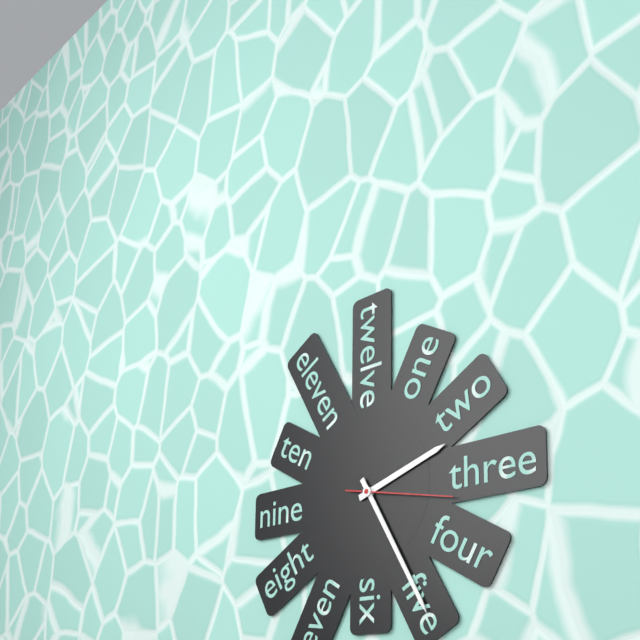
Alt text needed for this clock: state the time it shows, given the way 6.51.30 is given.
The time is 2.25.17
